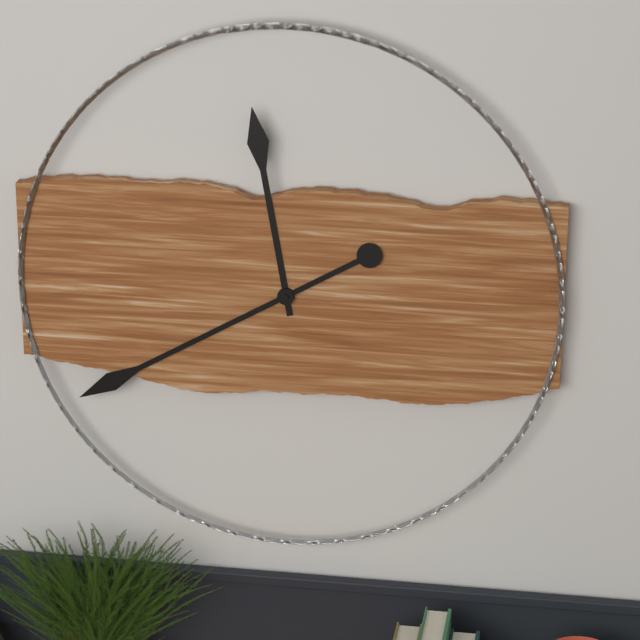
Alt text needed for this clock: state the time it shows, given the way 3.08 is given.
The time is 11.40
